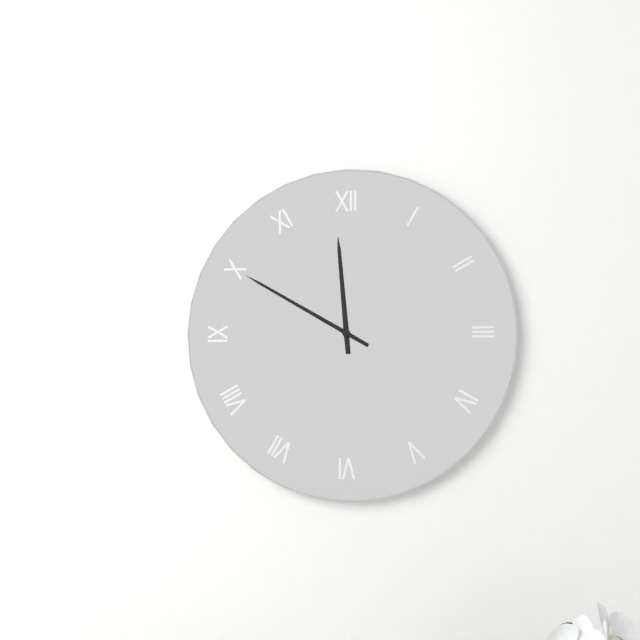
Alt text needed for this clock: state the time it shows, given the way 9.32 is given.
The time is 11.50
